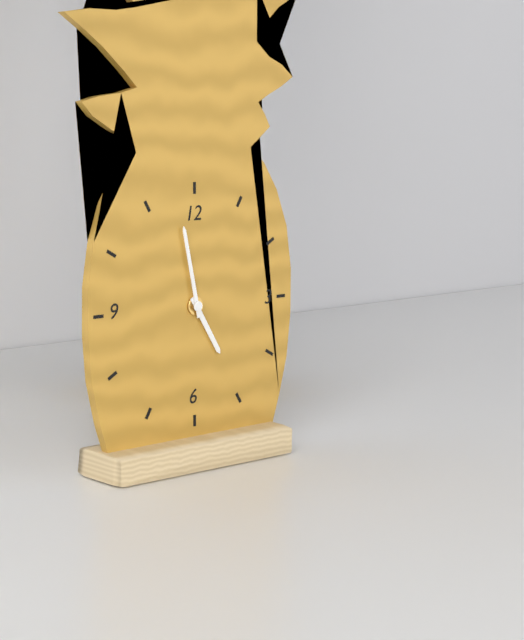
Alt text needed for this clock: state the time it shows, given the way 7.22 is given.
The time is 4.58
